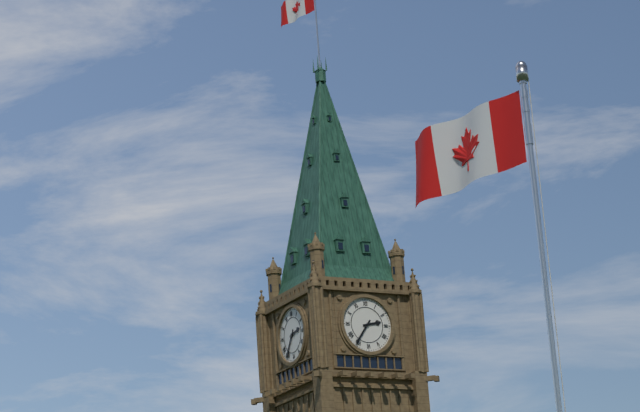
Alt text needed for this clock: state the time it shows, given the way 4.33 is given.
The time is 2.36
